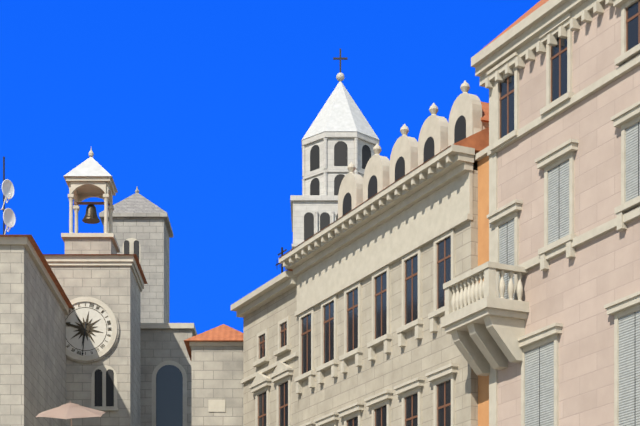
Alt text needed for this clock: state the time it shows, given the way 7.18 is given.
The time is 9.31
